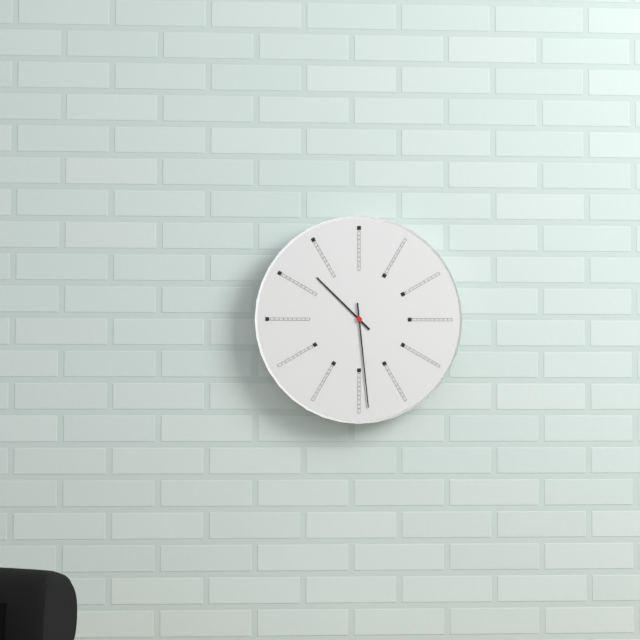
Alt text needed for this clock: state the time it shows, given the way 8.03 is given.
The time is 10.29
